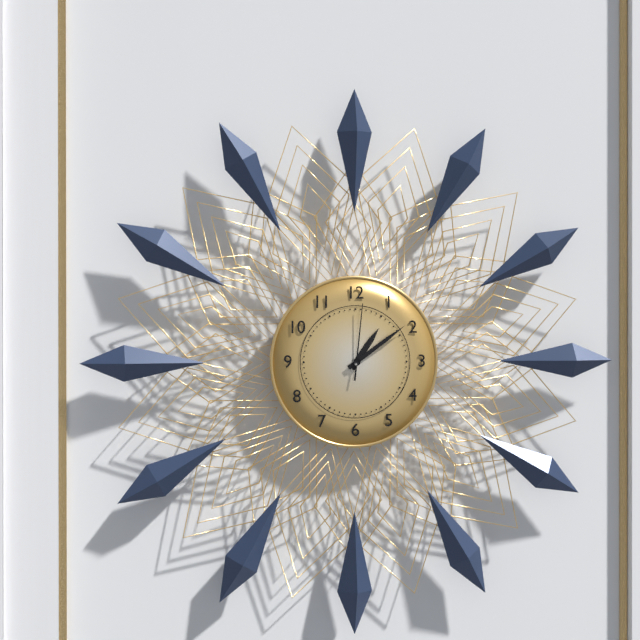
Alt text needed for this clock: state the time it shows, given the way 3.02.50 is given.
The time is 1.09.01
